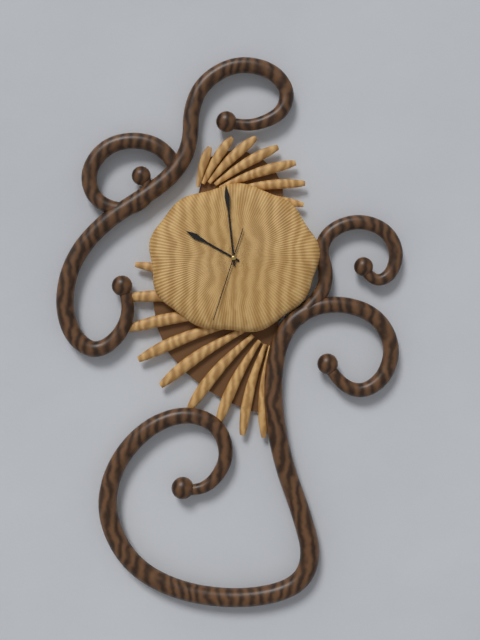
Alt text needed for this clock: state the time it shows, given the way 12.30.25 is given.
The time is 9.59.33
